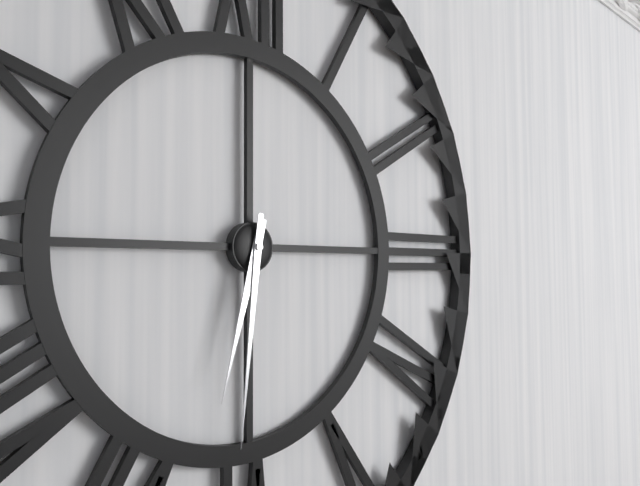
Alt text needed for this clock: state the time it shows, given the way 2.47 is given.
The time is 6.31
